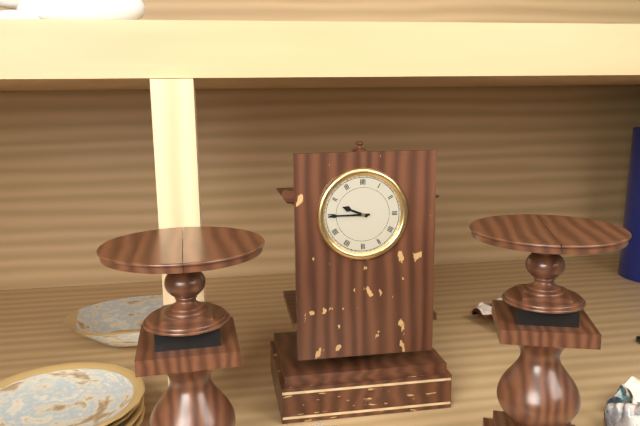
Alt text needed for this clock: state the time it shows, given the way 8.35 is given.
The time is 9.45
